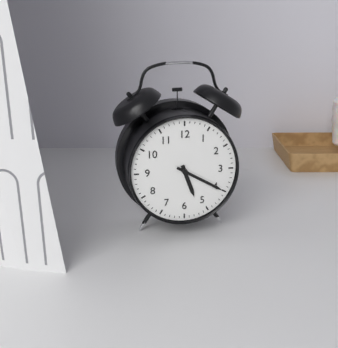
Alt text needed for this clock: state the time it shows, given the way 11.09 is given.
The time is 5.20
